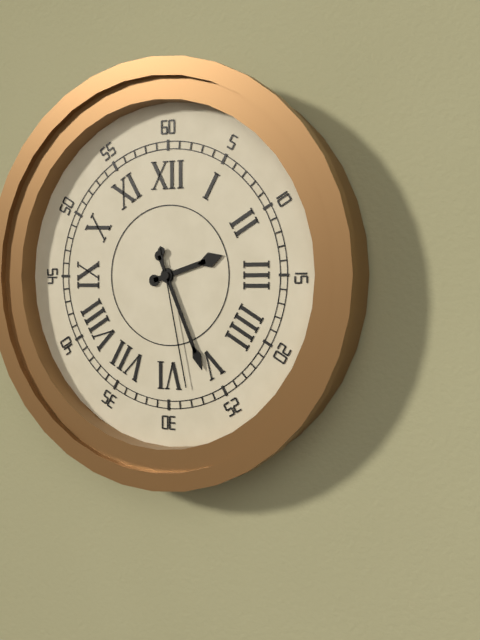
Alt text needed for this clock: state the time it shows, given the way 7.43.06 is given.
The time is 2.26.28
